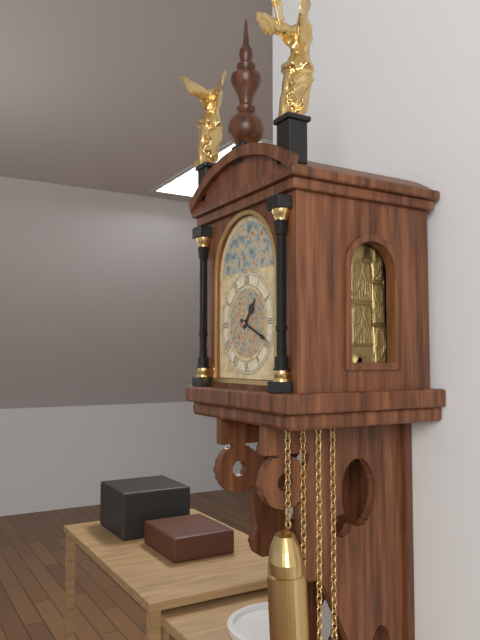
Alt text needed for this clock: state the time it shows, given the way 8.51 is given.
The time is 1.19
